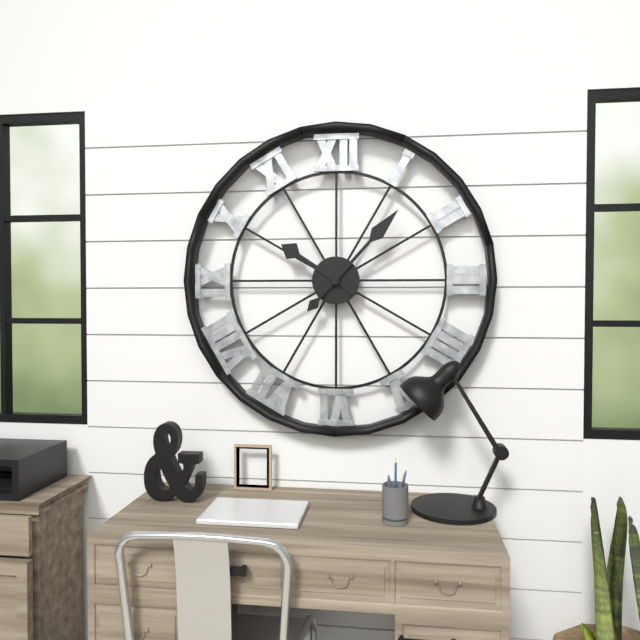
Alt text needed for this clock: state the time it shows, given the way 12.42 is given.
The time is 10.07
